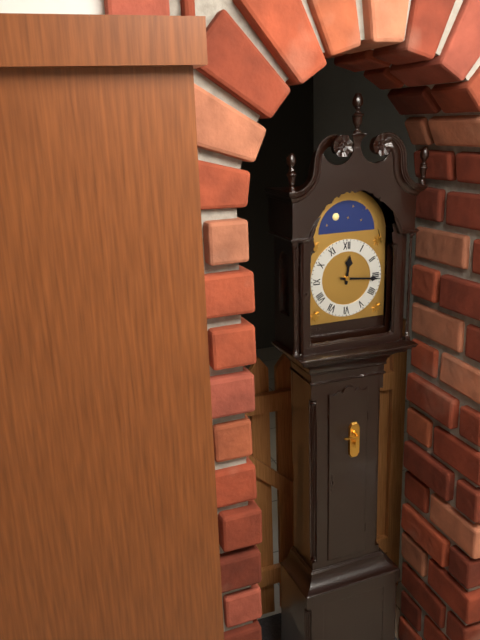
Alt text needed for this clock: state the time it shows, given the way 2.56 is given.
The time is 12.16
